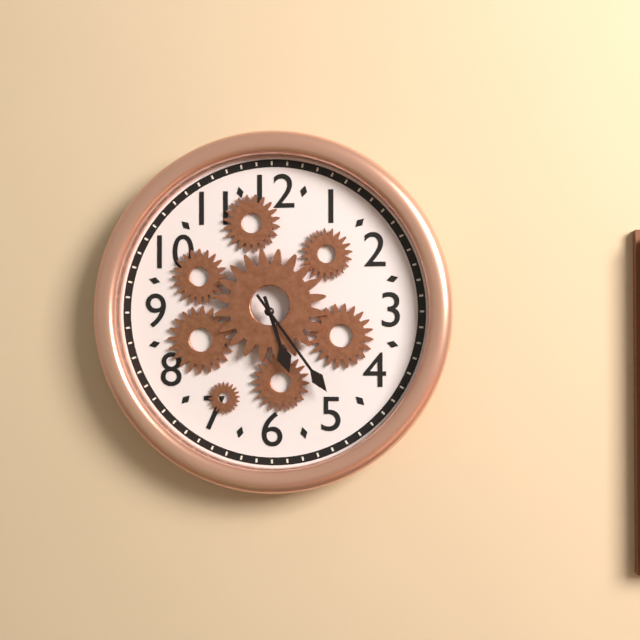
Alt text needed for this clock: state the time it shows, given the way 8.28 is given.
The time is 5.24
